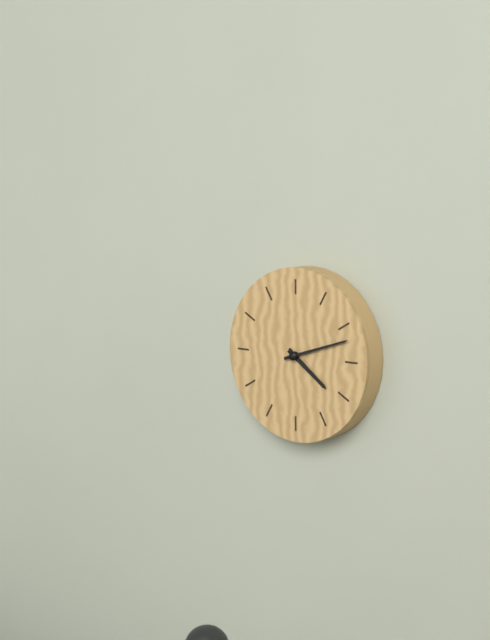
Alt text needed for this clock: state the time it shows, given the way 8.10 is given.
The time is 4.12
